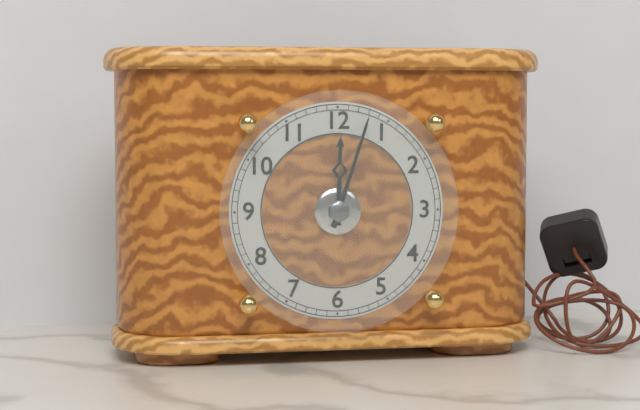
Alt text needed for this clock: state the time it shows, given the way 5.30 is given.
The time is 12.03
